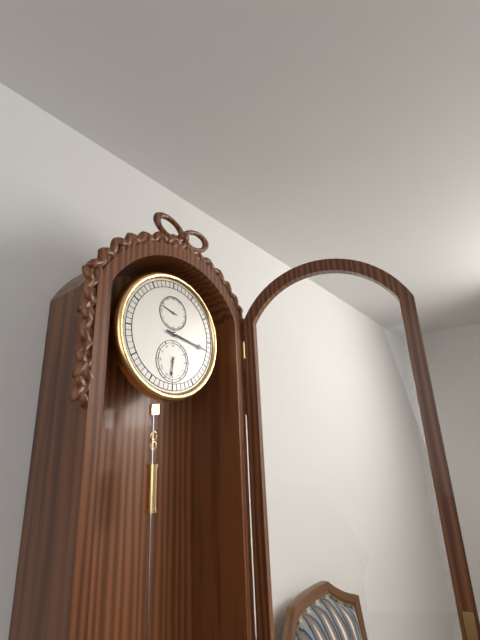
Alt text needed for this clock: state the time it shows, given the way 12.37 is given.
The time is 6.17
